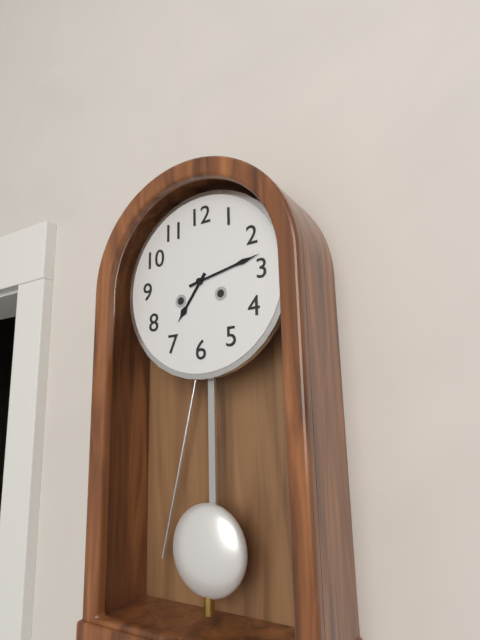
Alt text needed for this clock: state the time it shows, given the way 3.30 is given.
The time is 7.13
